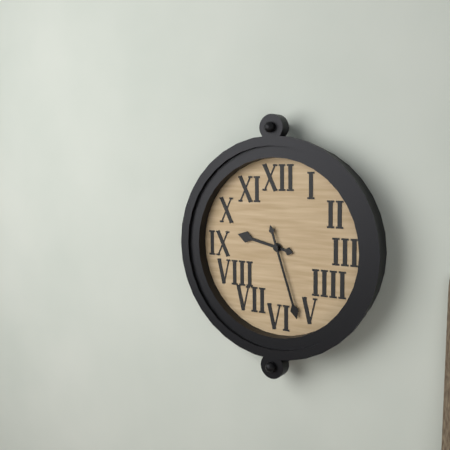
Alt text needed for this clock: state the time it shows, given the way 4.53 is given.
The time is 9.27
